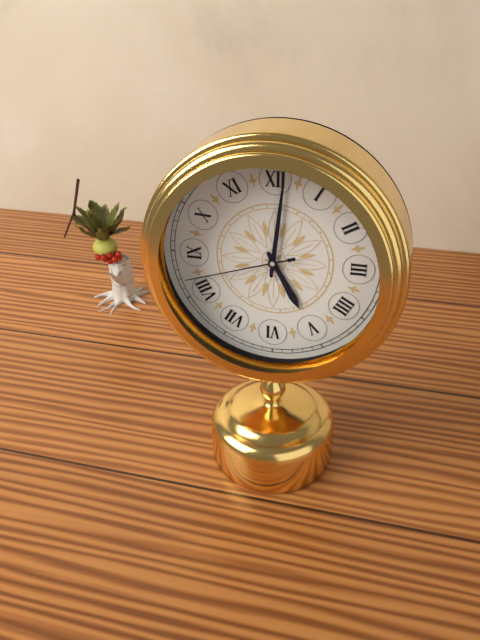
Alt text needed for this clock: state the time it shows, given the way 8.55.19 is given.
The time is 5.01.42
